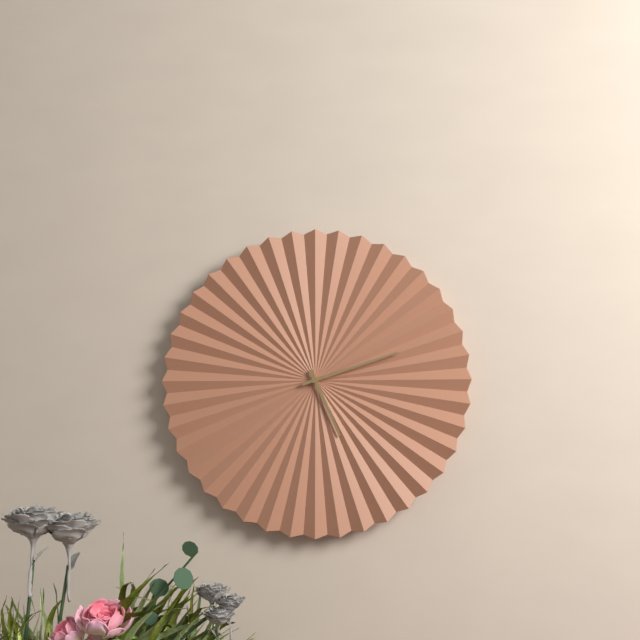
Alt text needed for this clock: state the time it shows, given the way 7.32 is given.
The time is 5.12
